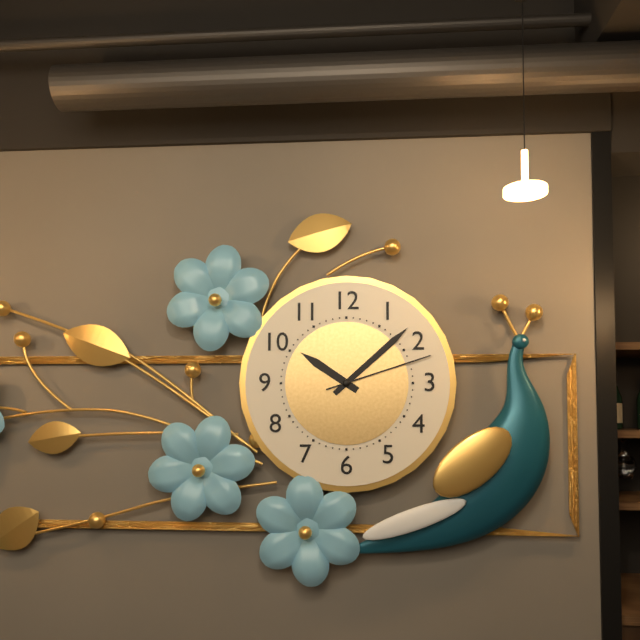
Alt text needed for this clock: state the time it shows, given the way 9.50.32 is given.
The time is 10.08.12
